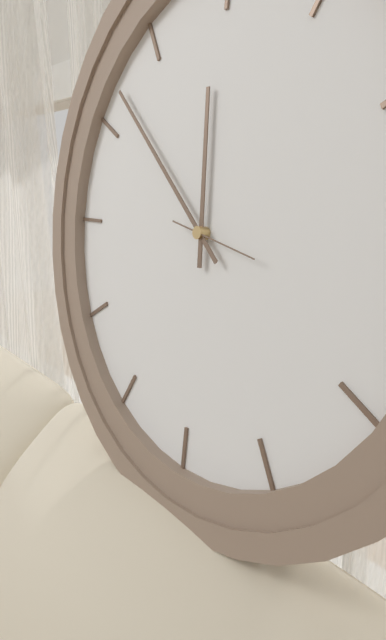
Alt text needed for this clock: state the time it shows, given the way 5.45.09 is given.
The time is 11.52.17
